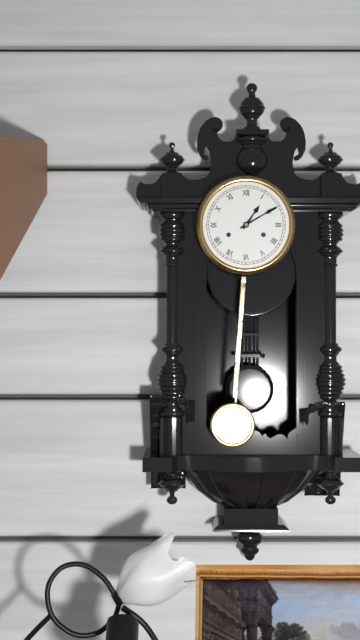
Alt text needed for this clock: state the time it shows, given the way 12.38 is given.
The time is 1.10
